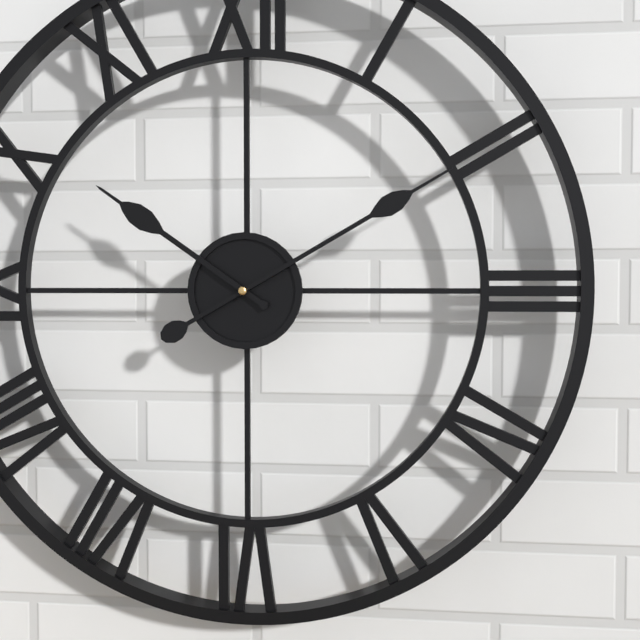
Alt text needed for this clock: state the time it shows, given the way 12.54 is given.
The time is 10.10
